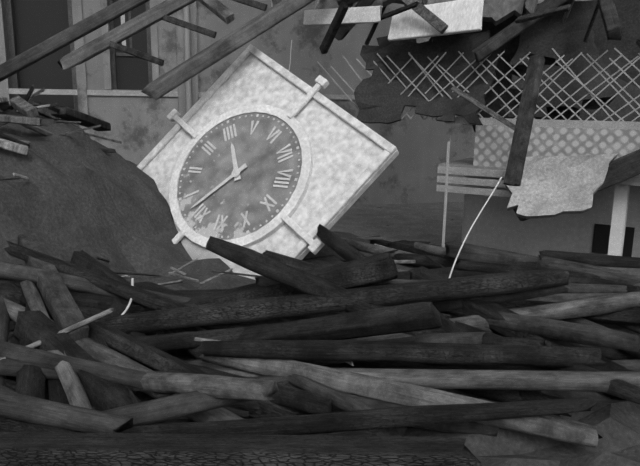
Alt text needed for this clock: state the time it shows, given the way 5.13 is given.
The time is 4.02
